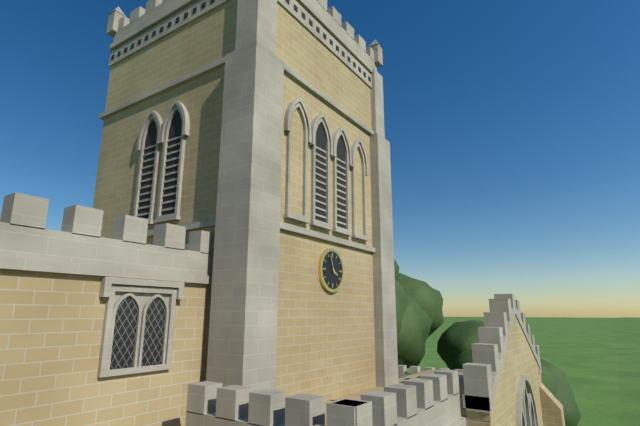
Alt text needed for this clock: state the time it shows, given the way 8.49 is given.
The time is 3.57
